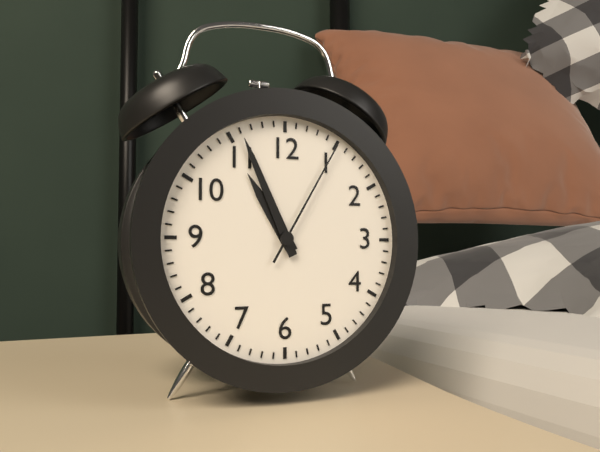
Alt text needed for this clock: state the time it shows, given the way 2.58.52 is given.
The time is 10.56.05
